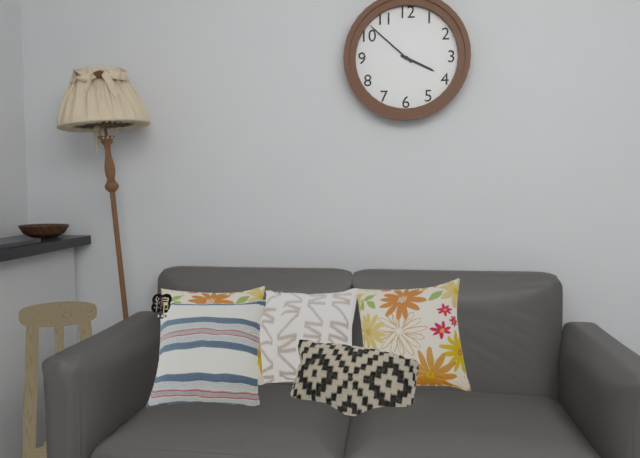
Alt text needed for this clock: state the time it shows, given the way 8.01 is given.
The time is 3.52
